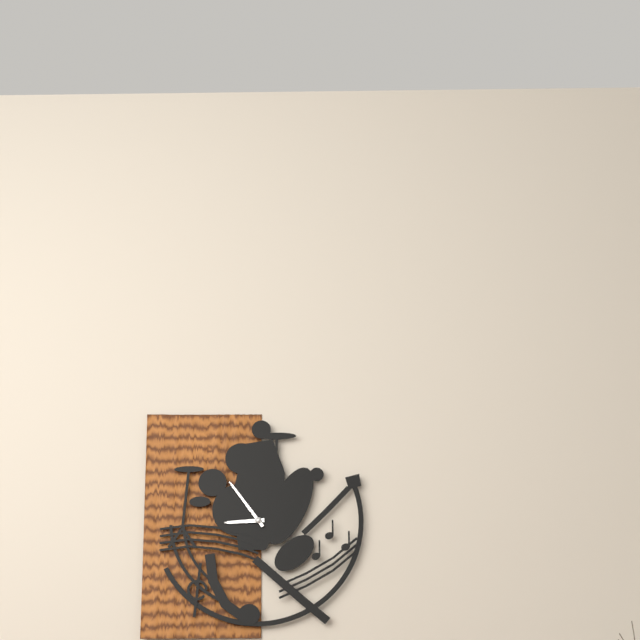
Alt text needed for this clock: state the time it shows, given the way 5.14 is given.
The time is 8.54
